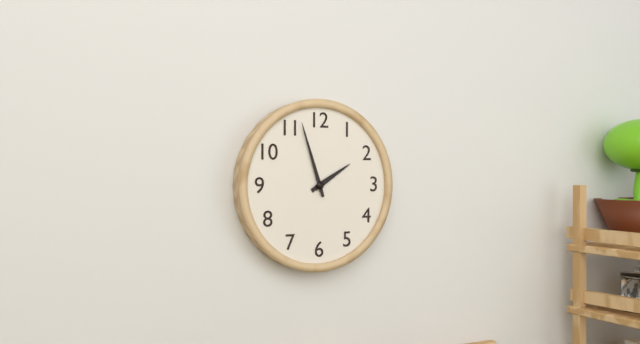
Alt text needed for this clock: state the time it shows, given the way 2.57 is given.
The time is 1.57
